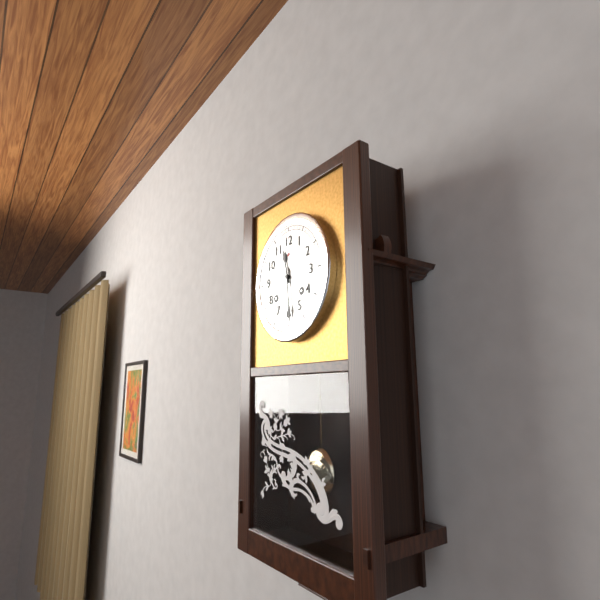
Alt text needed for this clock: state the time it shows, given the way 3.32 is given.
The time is 11.29
